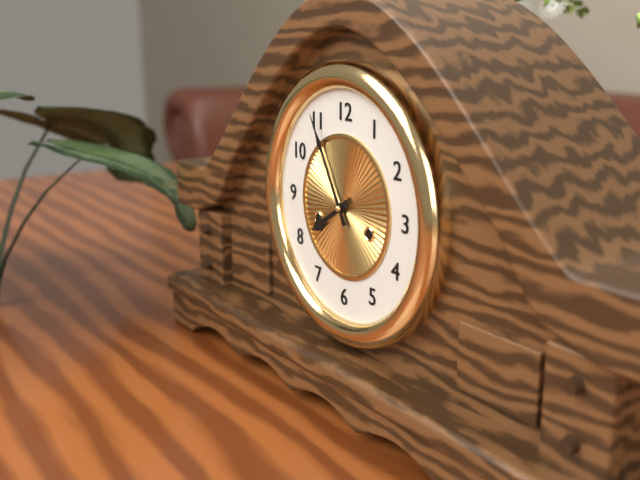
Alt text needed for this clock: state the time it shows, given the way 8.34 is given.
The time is 7.55
